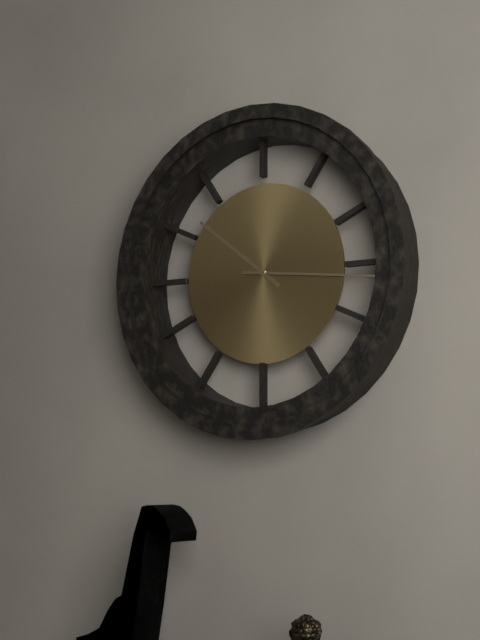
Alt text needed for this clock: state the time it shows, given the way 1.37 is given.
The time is 10.16
